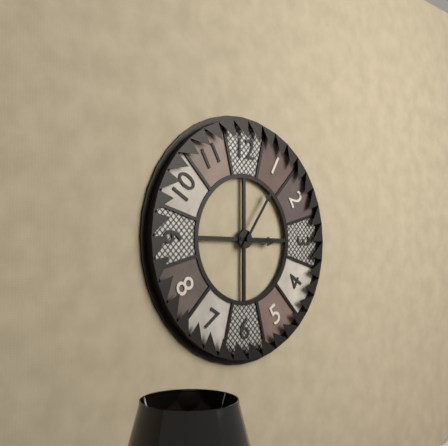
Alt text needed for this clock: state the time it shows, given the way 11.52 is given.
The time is 3.06
